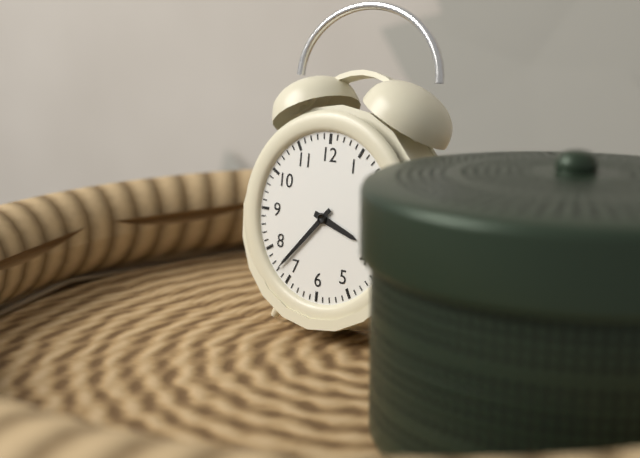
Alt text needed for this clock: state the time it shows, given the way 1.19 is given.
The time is 3.37
